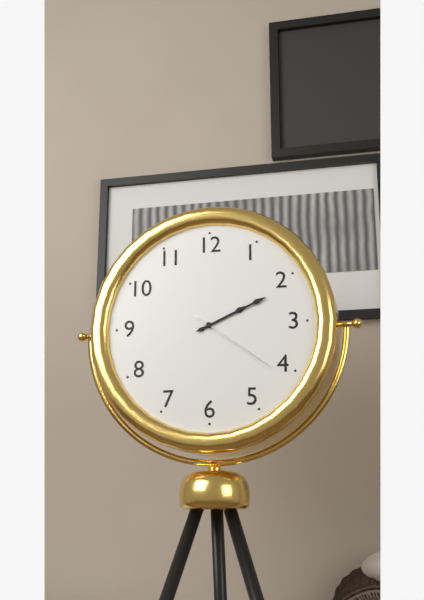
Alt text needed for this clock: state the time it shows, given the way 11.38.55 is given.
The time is 2.11.21
